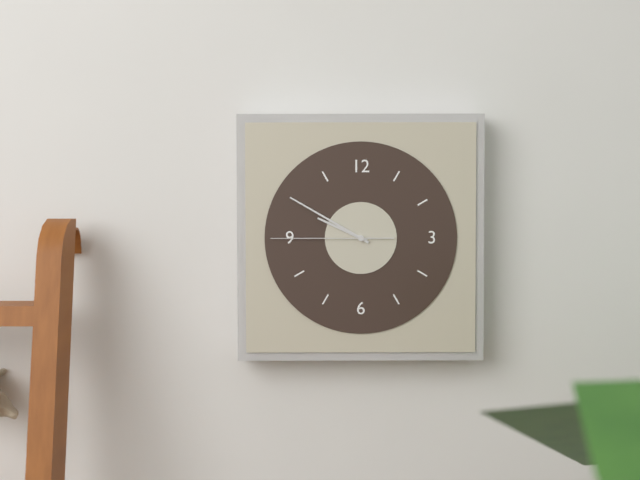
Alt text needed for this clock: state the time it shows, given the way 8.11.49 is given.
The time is 9.50.45
